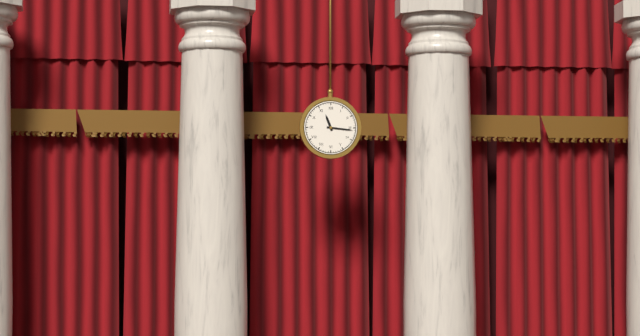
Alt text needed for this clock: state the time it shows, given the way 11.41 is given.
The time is 11.16
